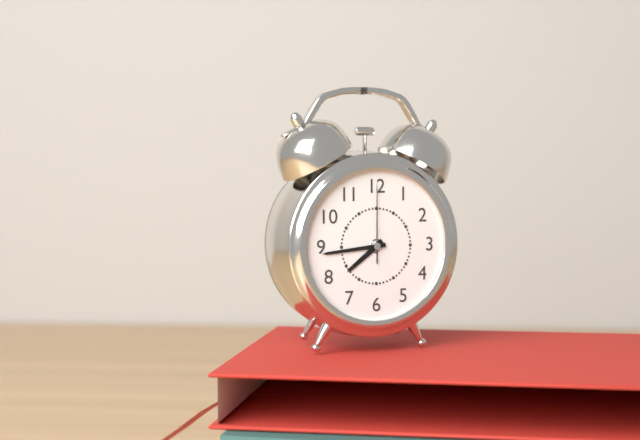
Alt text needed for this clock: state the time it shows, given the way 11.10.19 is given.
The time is 7.44.00
